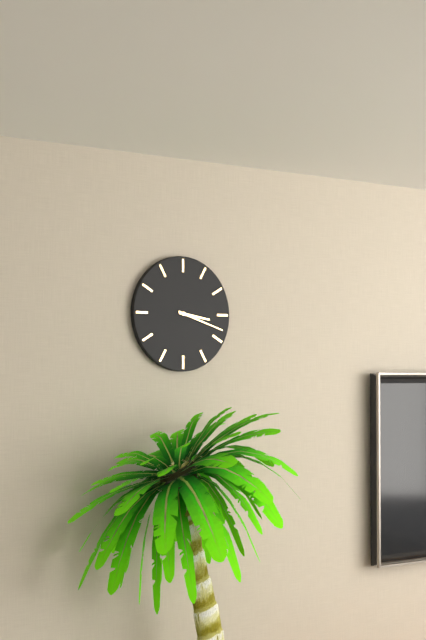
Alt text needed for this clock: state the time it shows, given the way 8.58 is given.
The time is 3.18
